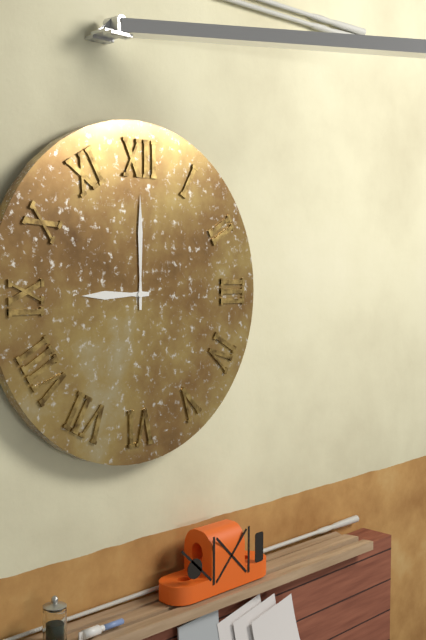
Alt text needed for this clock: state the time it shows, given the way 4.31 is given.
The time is 9.00
